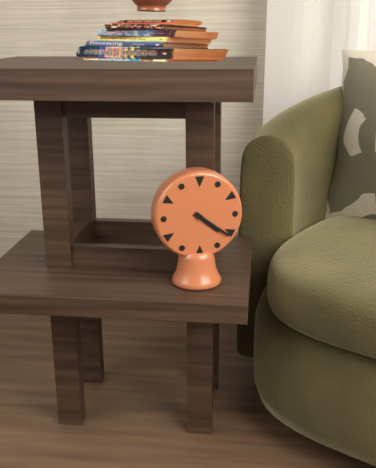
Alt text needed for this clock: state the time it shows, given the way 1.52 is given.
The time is 4.21
